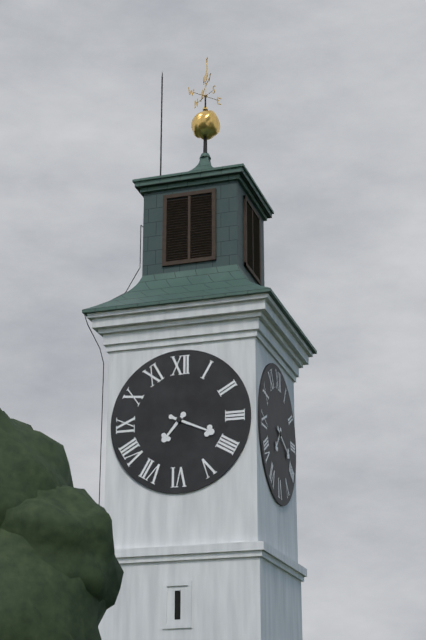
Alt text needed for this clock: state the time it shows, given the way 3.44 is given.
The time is 7.19
